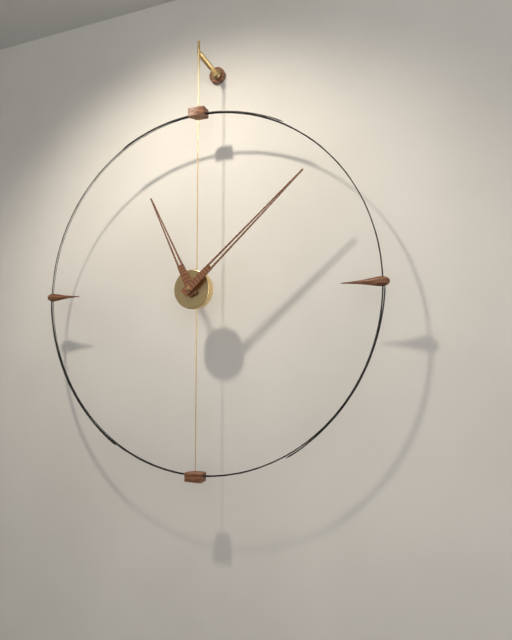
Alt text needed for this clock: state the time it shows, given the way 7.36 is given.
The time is 11.08
